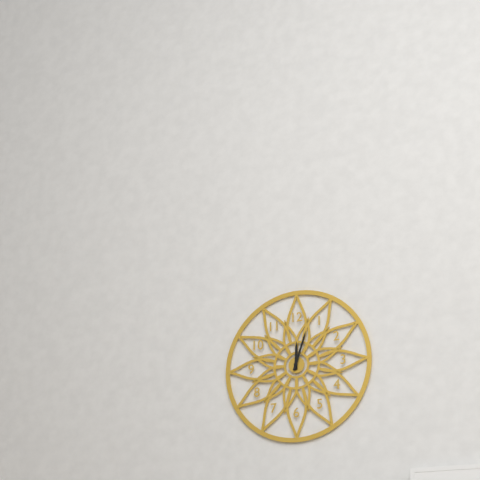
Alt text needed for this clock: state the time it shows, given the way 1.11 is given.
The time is 12.03
